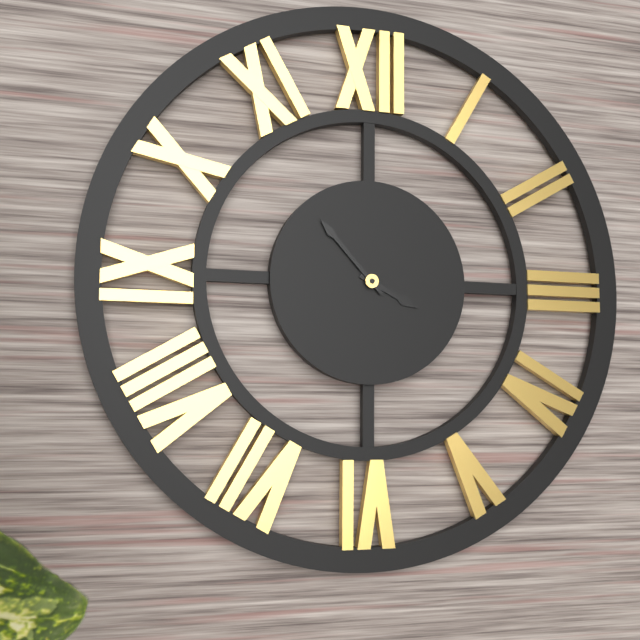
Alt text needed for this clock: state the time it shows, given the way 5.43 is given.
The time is 3.53
